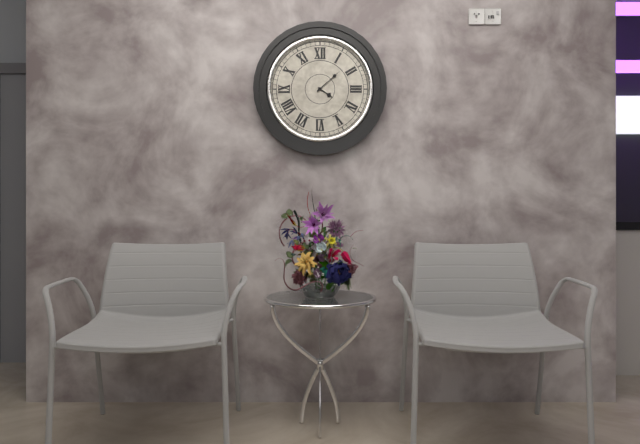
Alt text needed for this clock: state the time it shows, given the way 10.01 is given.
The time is 4.08
